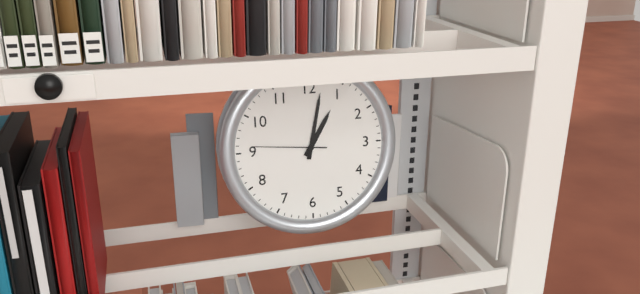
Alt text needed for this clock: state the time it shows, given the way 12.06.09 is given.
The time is 1.02.46
